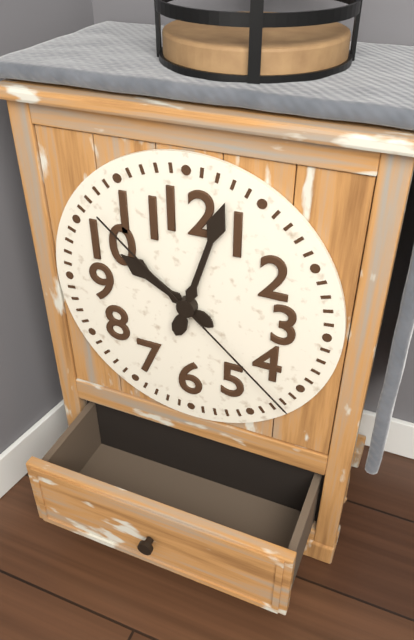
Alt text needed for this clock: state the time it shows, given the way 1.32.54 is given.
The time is 10.03.22
